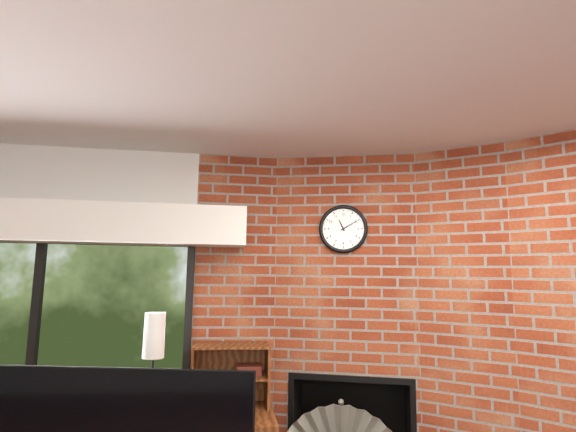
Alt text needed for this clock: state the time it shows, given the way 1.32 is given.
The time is 11.10
